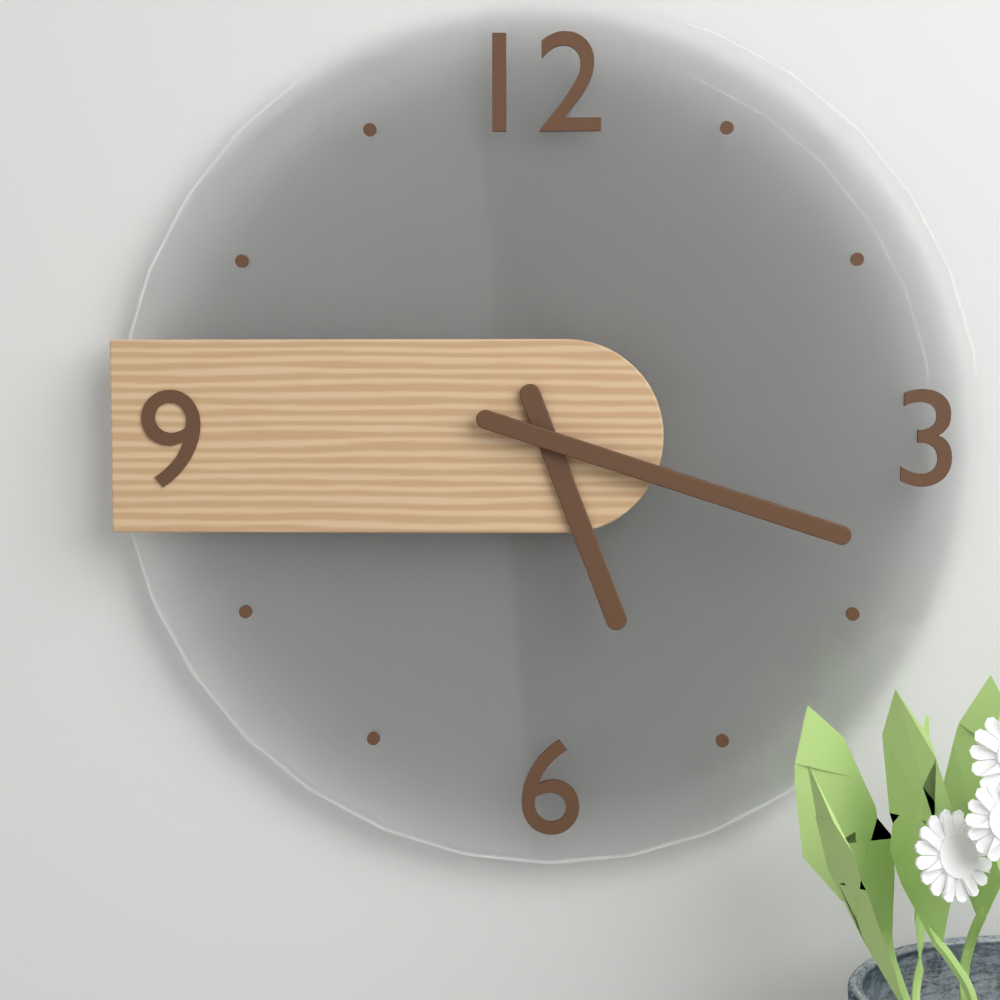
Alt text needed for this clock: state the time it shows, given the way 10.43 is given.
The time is 5.18
